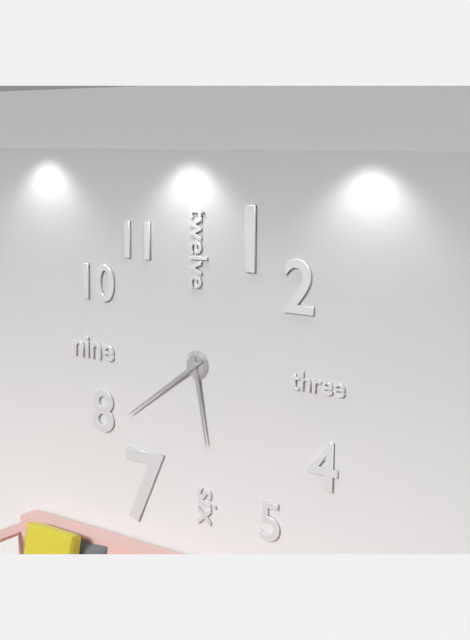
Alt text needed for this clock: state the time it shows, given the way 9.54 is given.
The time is 5.39
